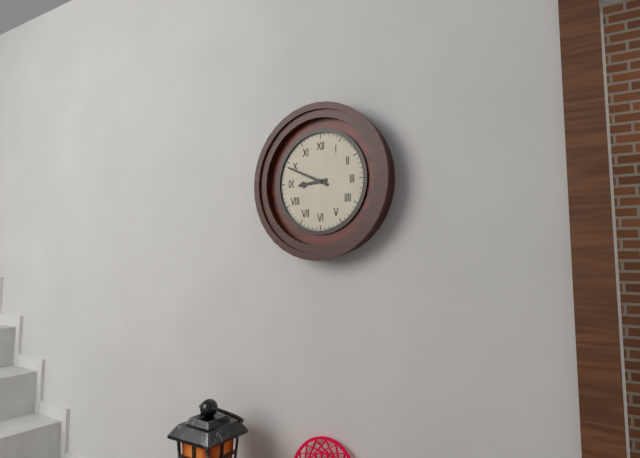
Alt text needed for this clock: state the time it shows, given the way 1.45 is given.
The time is 8.49
